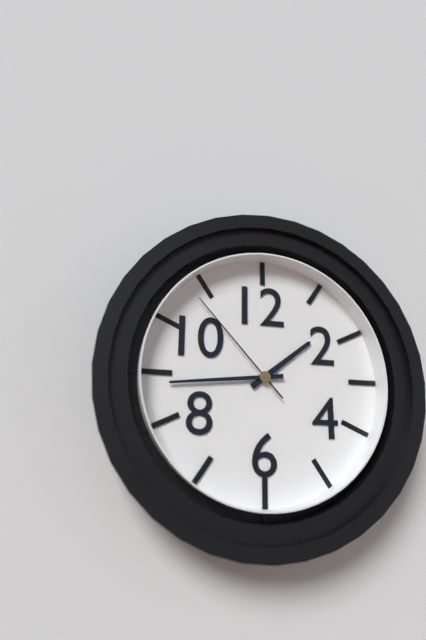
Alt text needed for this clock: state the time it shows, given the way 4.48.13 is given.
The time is 1.44.53
